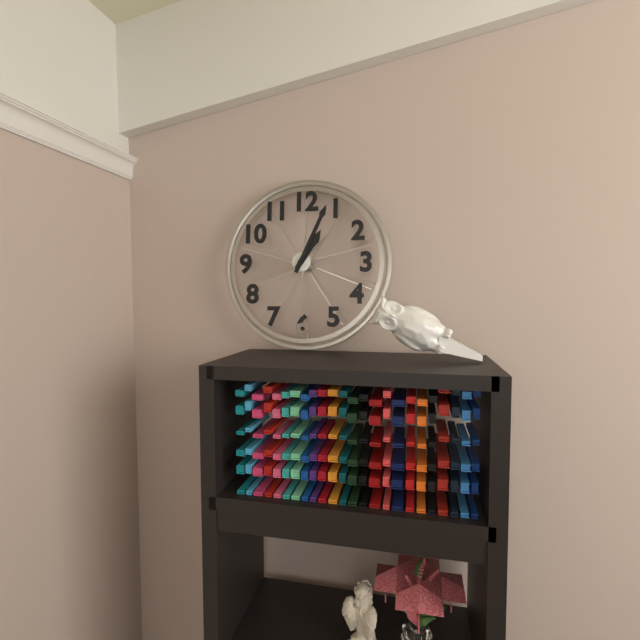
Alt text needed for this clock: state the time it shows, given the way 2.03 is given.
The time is 1.04
